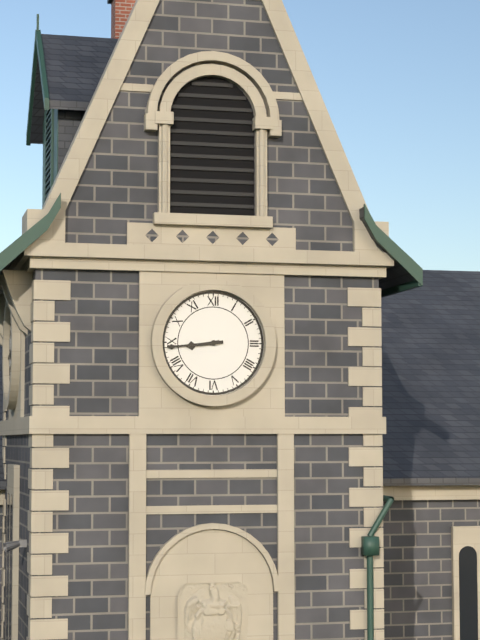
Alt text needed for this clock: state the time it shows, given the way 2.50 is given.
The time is 8.44
